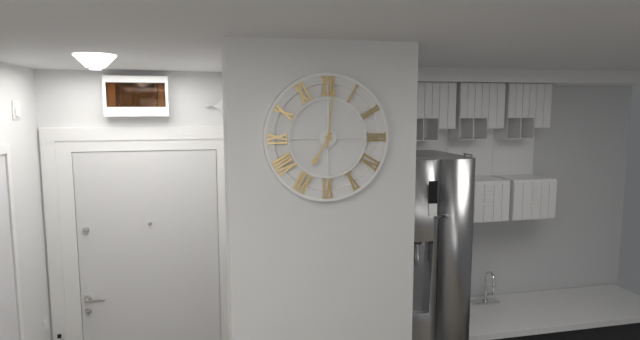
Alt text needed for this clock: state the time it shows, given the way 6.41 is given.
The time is 7.01
